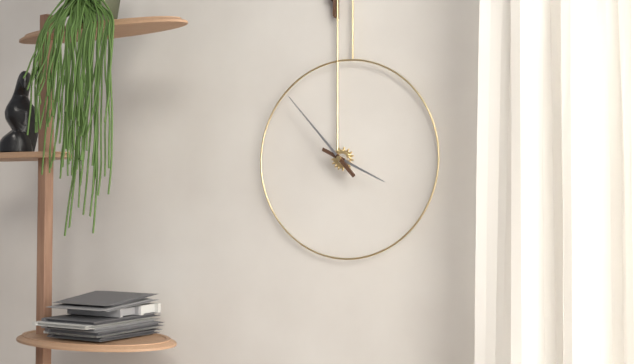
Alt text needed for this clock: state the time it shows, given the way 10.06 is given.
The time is 3.53
